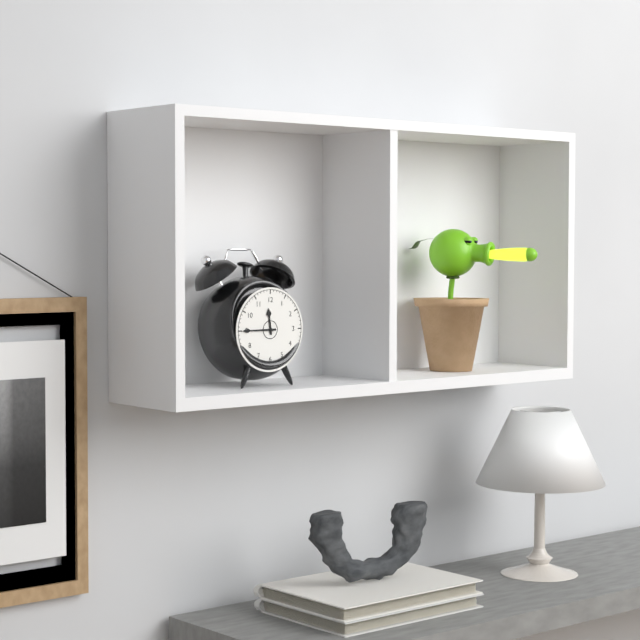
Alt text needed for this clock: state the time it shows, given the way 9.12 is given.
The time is 11.45
